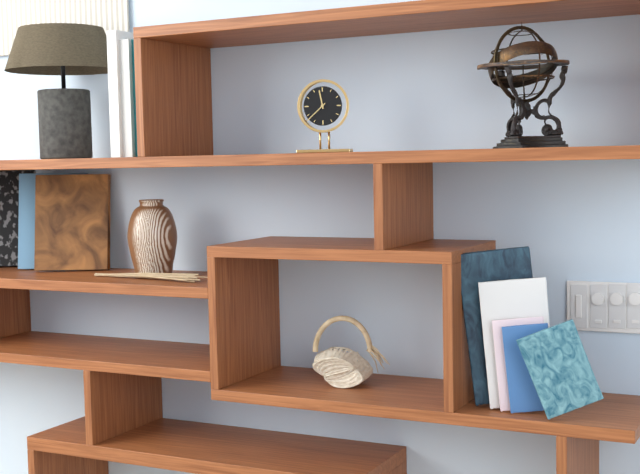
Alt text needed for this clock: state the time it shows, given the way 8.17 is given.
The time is 11.38
